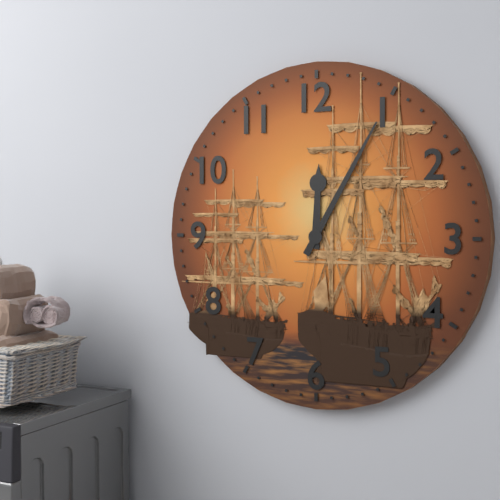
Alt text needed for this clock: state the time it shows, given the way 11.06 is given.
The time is 12.05
